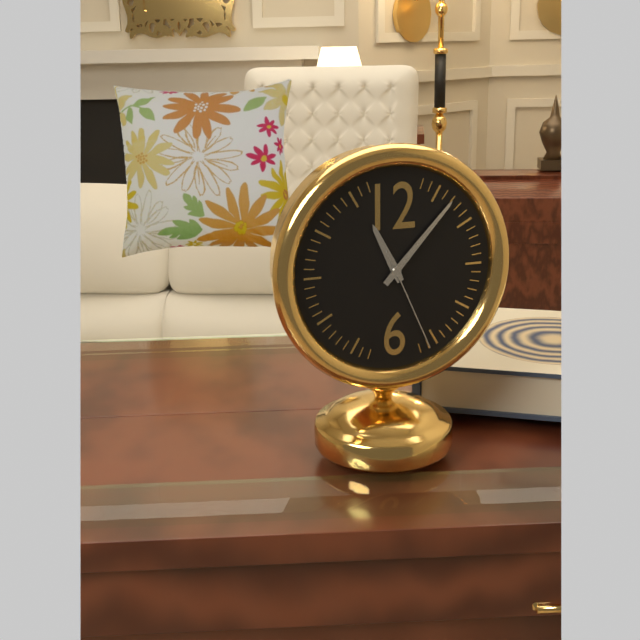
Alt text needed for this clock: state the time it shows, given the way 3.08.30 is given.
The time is 11.07.26
